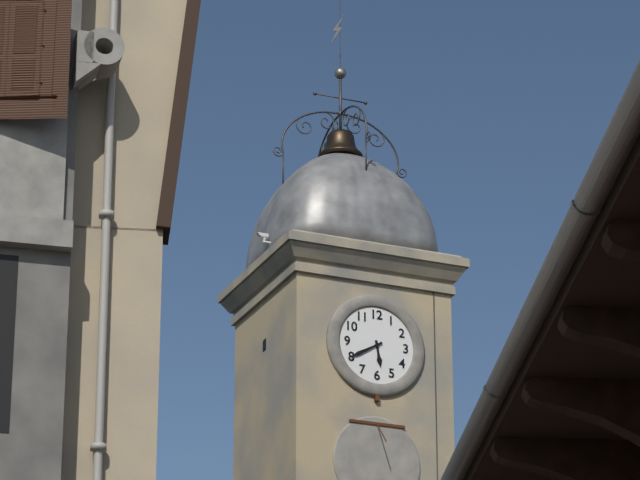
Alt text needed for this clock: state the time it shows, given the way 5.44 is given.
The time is 5.40
